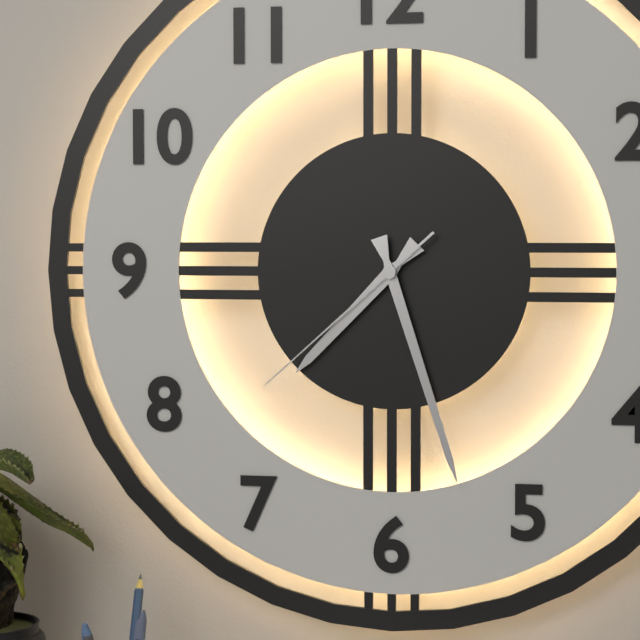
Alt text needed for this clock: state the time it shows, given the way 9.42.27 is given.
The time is 7.27.38
